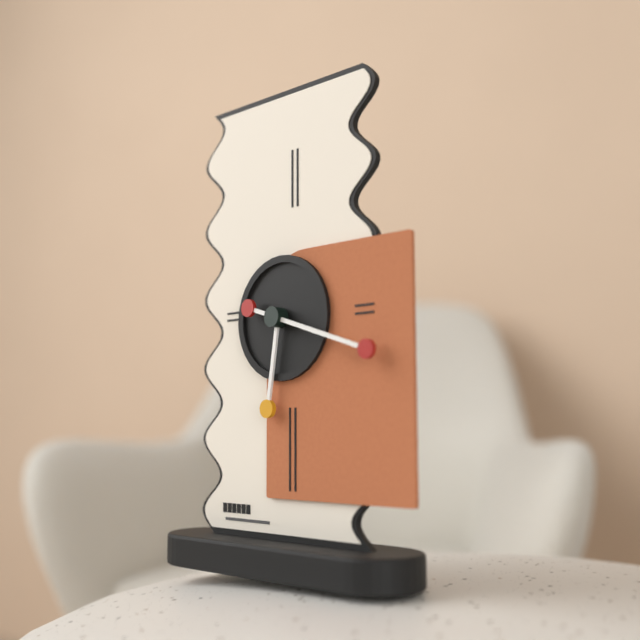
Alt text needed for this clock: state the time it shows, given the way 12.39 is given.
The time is 6.18
